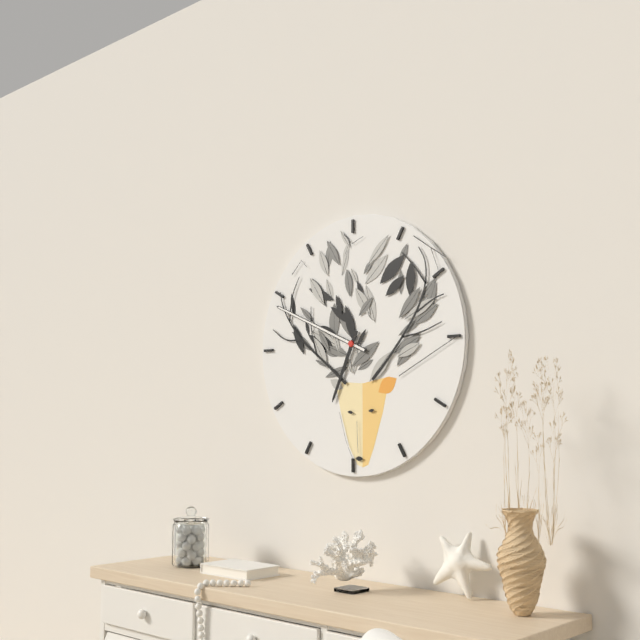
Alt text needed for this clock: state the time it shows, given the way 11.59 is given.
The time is 6.49
